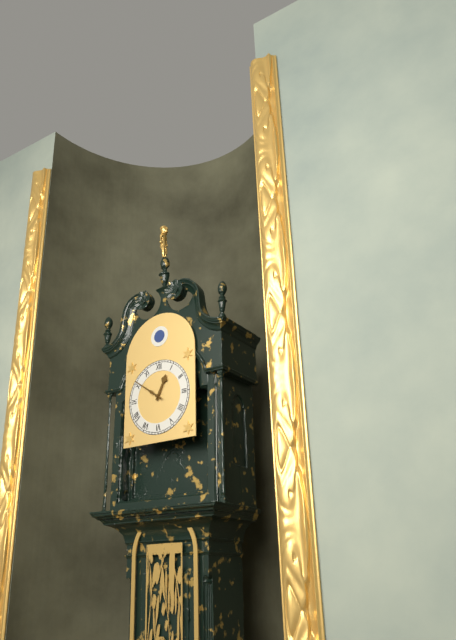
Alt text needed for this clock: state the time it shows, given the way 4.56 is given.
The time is 12.51
